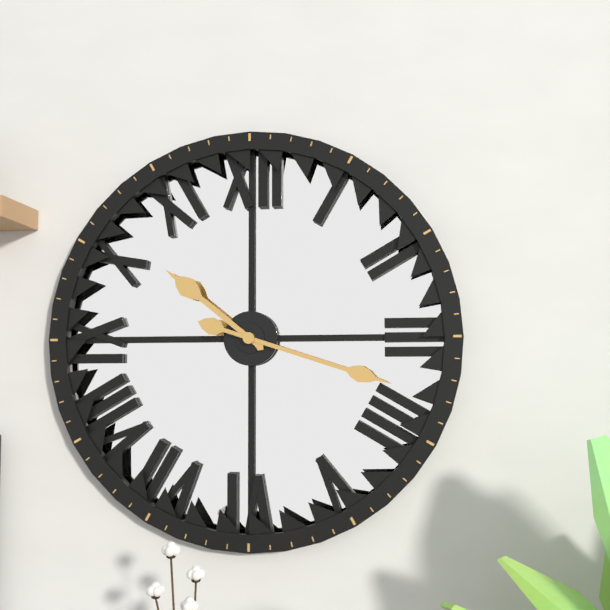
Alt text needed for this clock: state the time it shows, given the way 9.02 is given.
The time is 10.18
